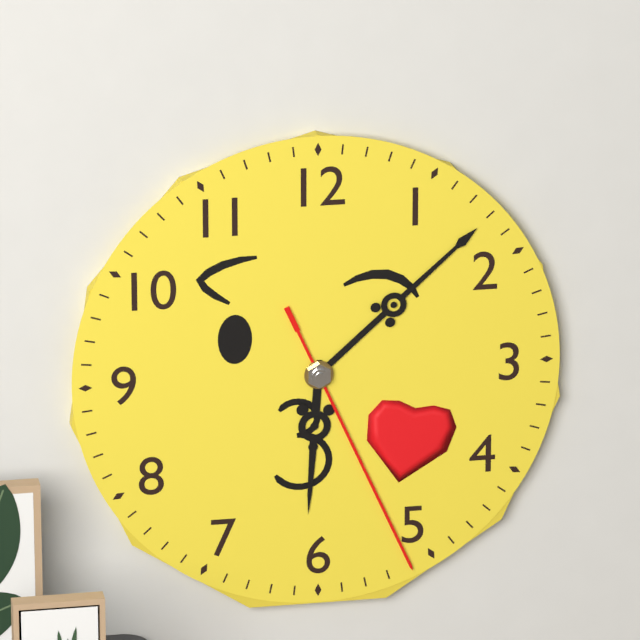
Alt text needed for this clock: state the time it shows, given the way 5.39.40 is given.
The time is 6.08.26
